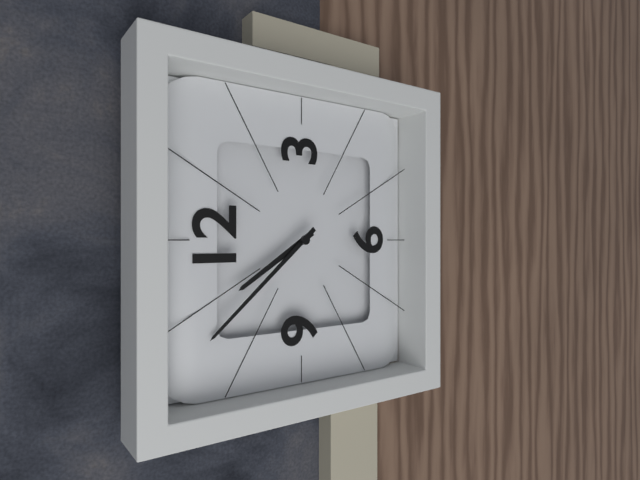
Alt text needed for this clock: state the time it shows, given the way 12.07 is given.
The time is 10.53
